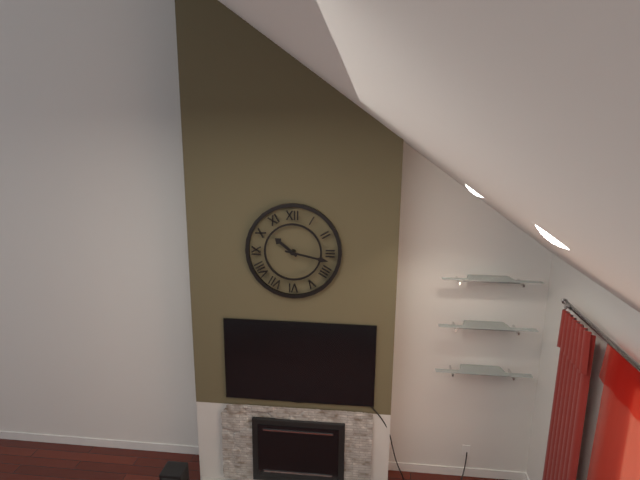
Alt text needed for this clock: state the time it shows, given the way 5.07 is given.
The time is 10.17
